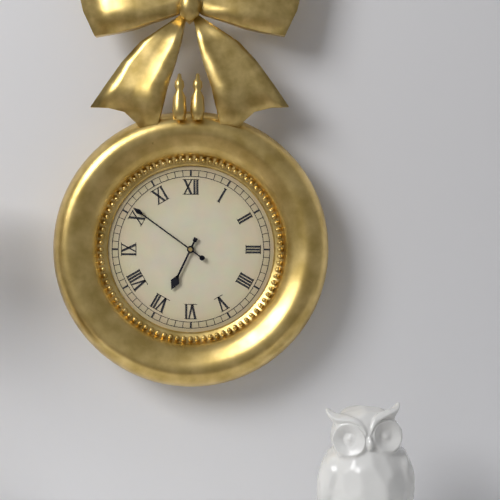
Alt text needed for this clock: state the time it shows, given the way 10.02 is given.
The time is 6.51
